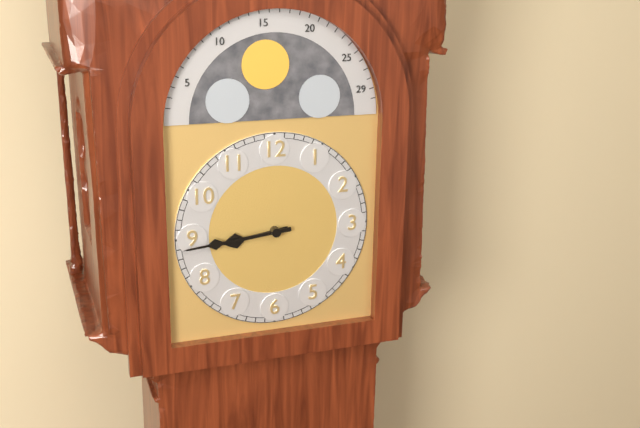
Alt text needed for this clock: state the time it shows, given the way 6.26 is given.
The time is 8.44
